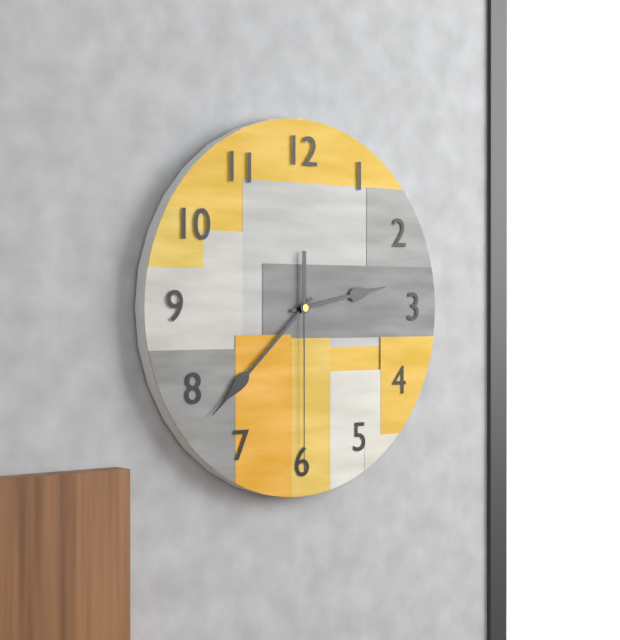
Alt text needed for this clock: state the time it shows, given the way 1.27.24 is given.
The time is 2.38.30
